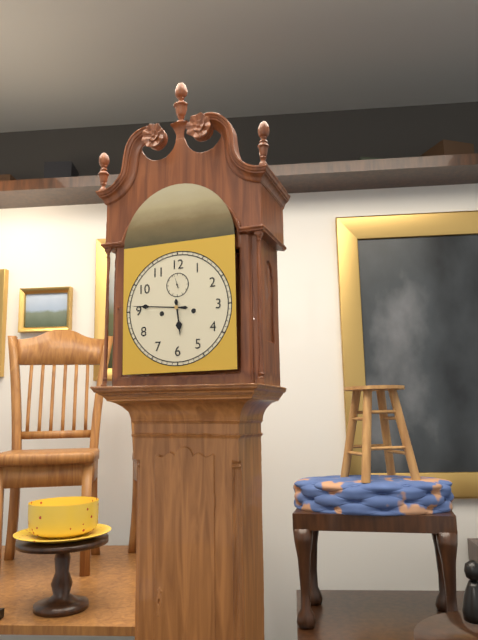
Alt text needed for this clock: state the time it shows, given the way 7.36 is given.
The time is 5.46
